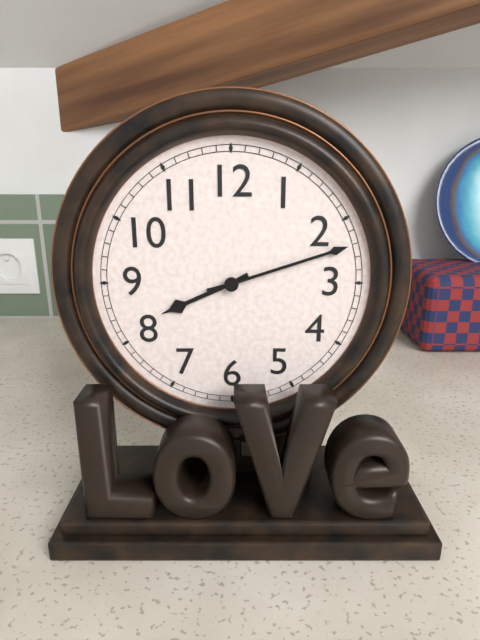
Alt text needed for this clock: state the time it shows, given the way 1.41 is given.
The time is 8.12
